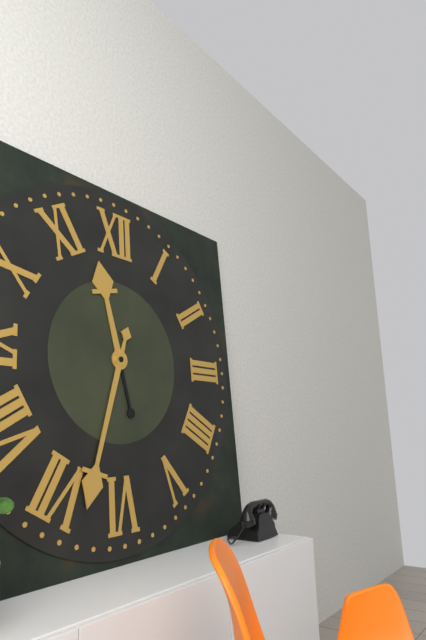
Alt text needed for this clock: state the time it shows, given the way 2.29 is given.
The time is 11.33
